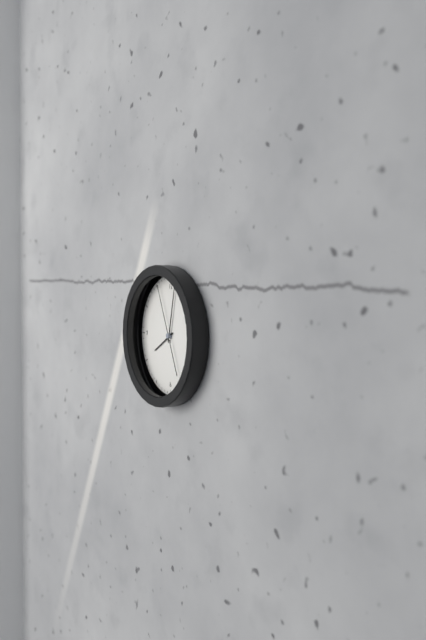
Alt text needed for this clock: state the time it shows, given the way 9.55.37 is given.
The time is 8.02.56
